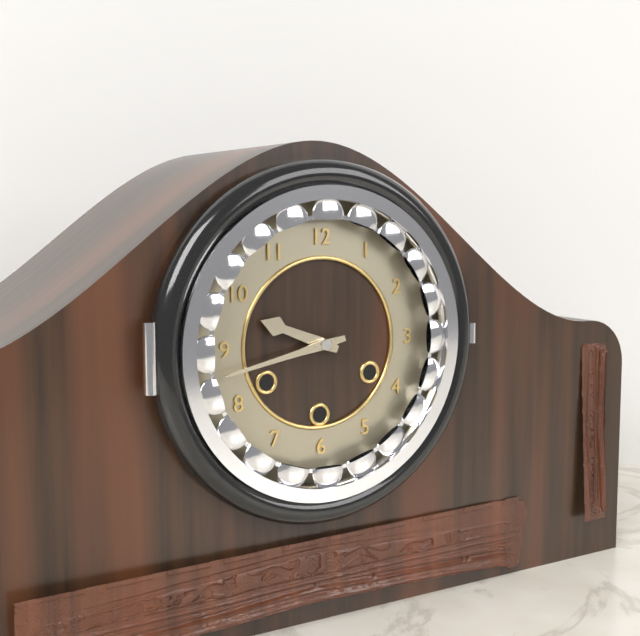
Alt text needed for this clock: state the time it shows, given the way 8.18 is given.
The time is 9.43
